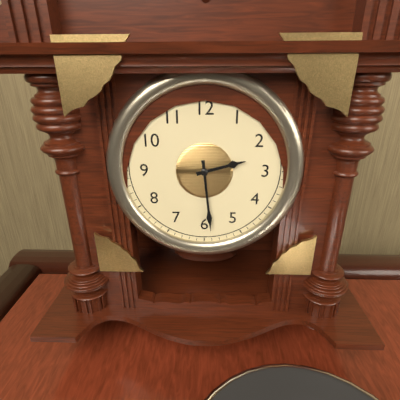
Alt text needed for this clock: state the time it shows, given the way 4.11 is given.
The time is 2.29
